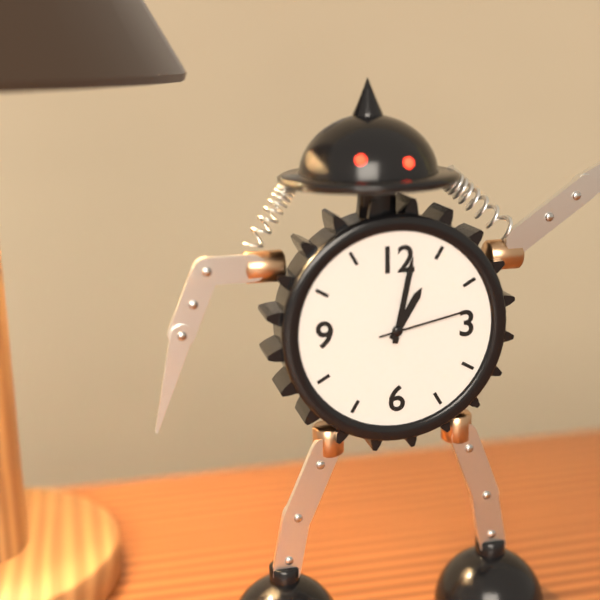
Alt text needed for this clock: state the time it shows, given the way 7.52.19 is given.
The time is 1.02.13
